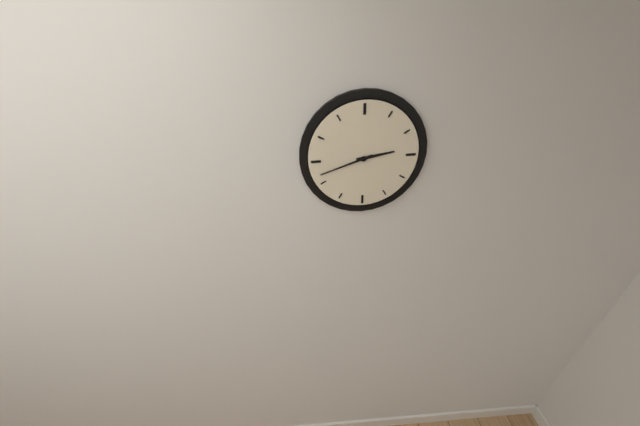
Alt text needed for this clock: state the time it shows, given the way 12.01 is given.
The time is 2.42
